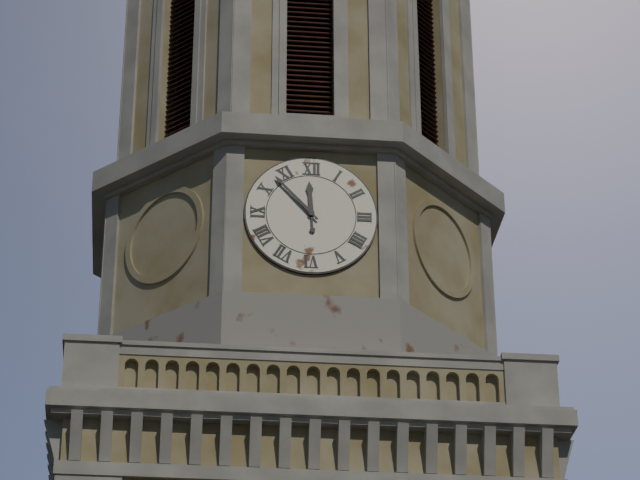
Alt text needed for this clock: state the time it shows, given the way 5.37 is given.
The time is 11.53
